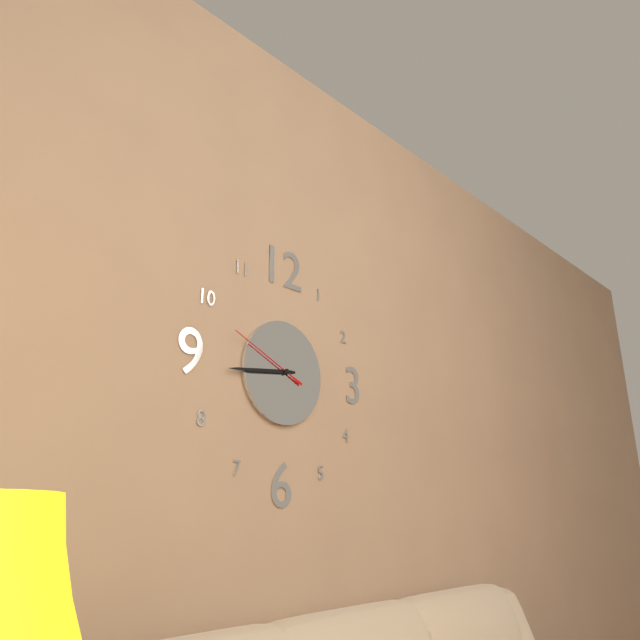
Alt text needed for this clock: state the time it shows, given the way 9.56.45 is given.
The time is 8.44.49
